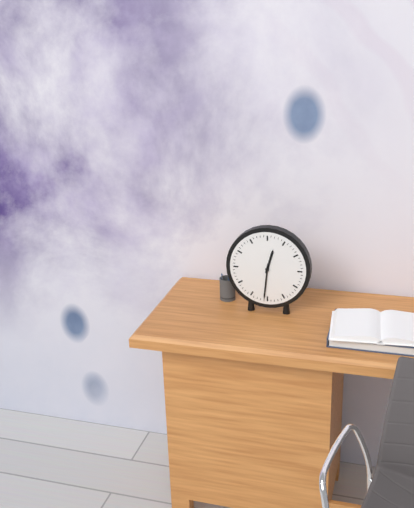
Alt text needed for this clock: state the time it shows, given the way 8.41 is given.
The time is 12.31
